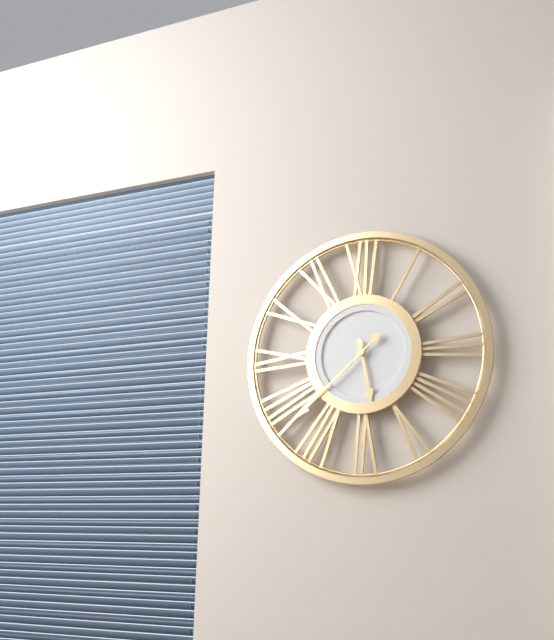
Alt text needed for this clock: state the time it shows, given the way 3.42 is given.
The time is 5.38
